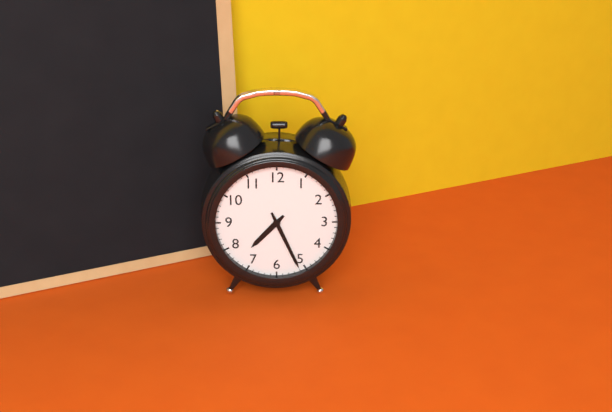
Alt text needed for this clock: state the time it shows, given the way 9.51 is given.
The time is 7.26
